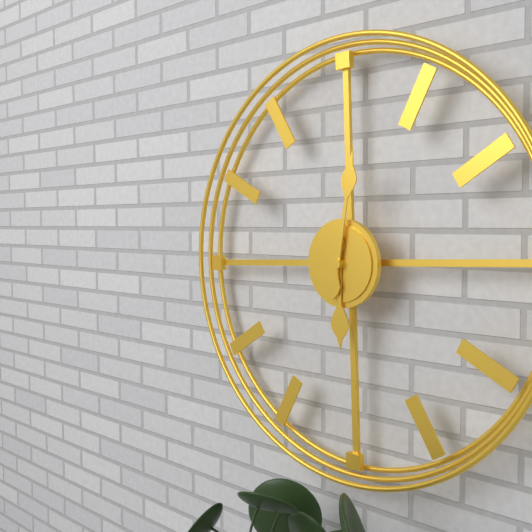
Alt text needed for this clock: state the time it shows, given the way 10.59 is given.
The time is 6.02
